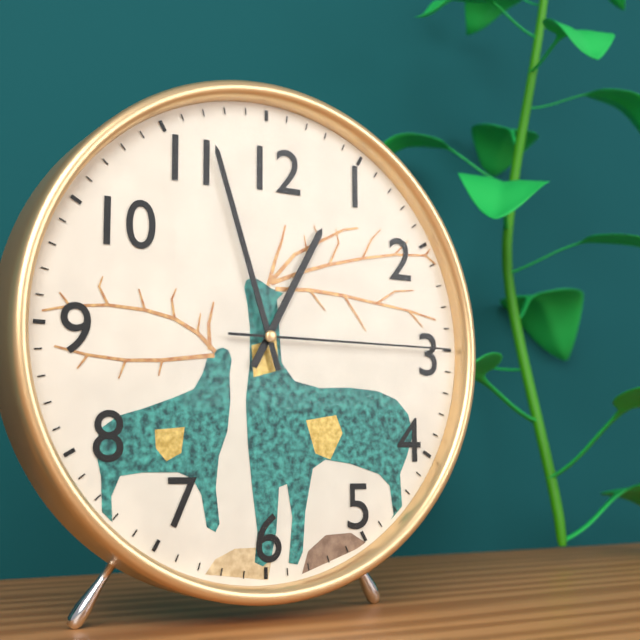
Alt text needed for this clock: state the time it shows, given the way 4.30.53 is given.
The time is 12.57.15
